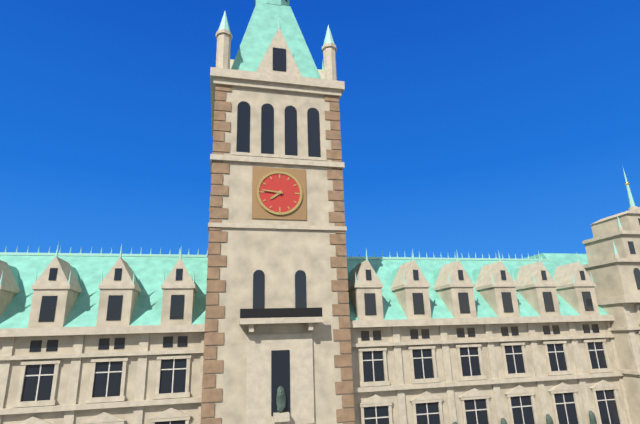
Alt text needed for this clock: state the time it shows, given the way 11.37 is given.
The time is 7.46
